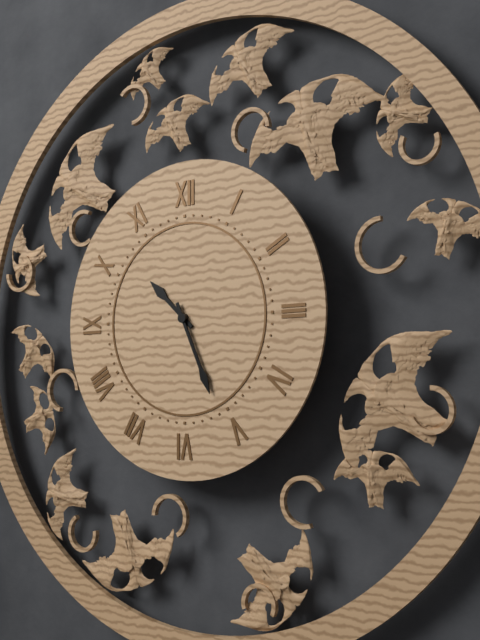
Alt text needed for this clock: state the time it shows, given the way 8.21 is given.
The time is 10.26
